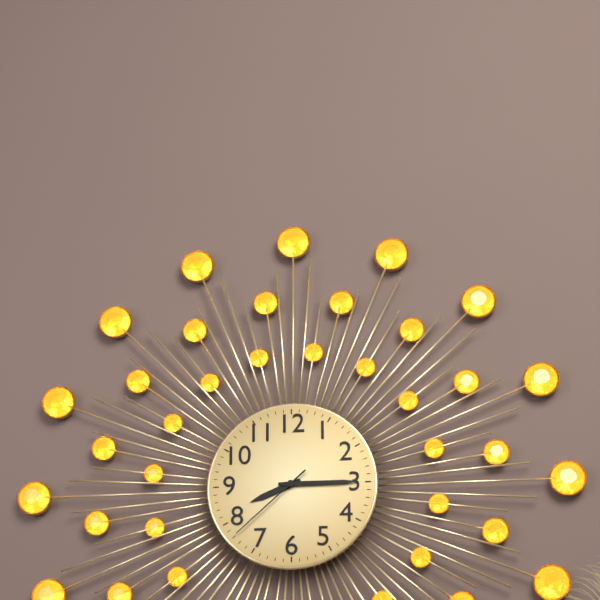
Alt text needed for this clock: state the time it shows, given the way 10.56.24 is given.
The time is 8.15.38
